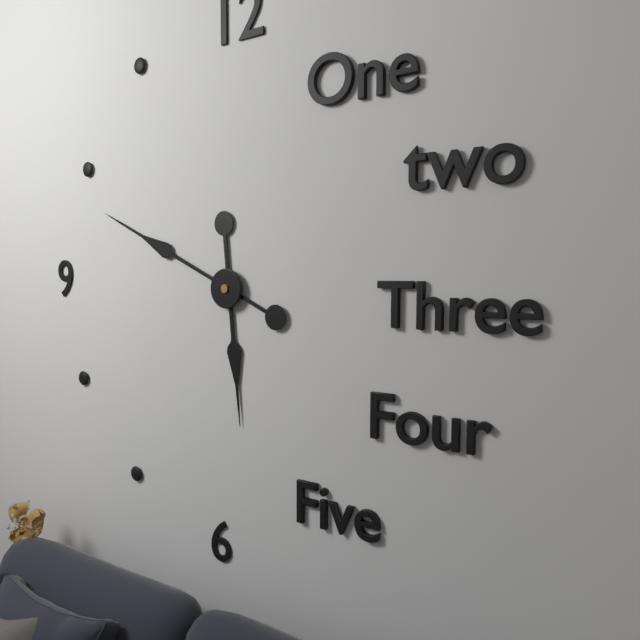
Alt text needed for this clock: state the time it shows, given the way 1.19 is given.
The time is 5.49
